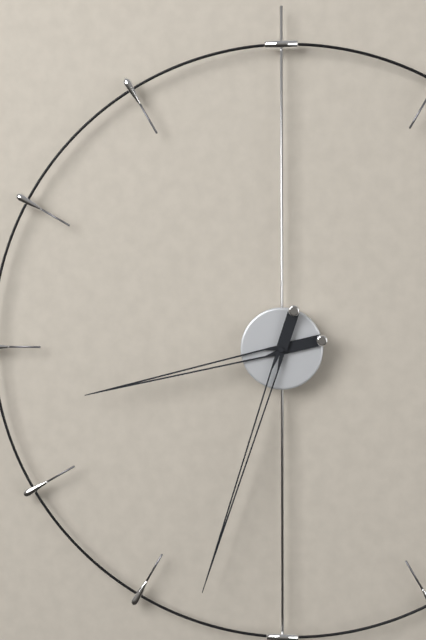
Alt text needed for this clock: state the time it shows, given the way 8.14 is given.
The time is 8.33
